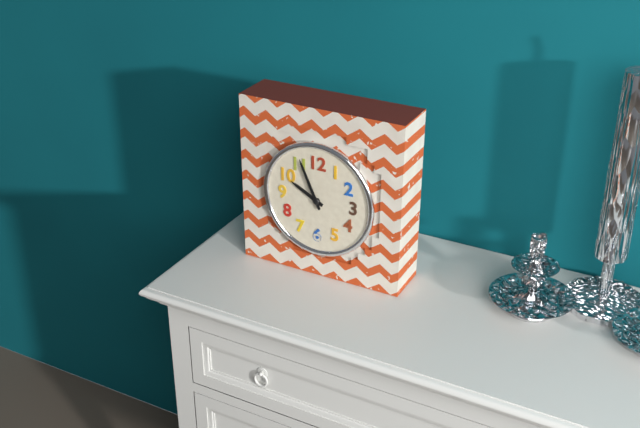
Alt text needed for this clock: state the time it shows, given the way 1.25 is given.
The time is 9.56
